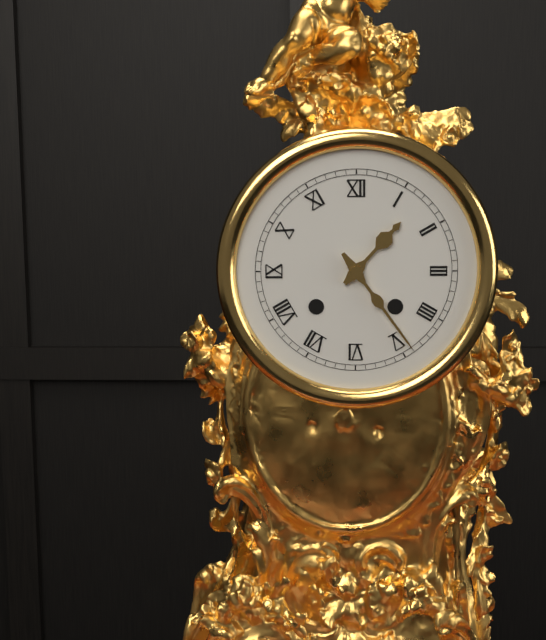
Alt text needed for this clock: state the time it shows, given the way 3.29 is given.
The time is 1.24
